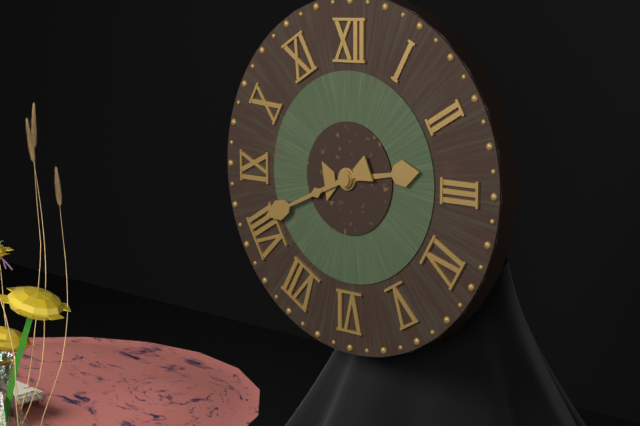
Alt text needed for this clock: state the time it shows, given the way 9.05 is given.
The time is 2.41
